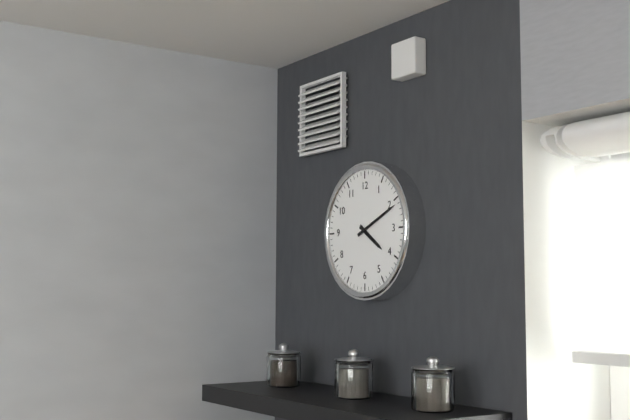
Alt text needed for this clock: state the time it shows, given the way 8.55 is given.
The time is 4.11
